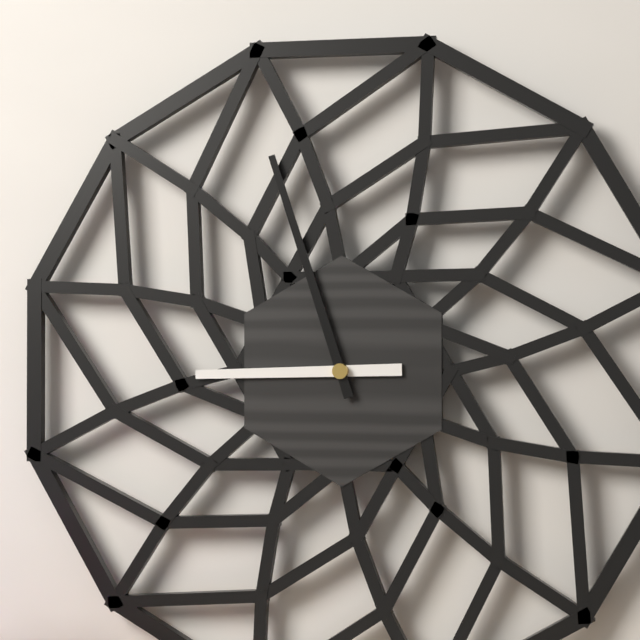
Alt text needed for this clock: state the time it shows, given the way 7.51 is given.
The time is 8.57
